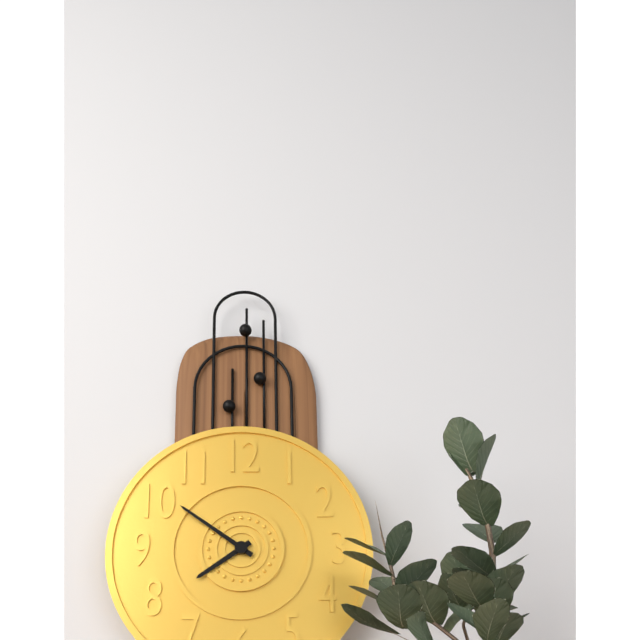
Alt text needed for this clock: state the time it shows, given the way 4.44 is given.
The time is 7.51
